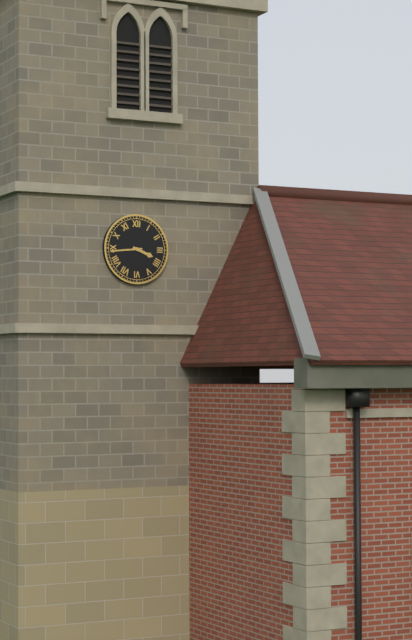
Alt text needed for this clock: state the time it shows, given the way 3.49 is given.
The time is 3.44
